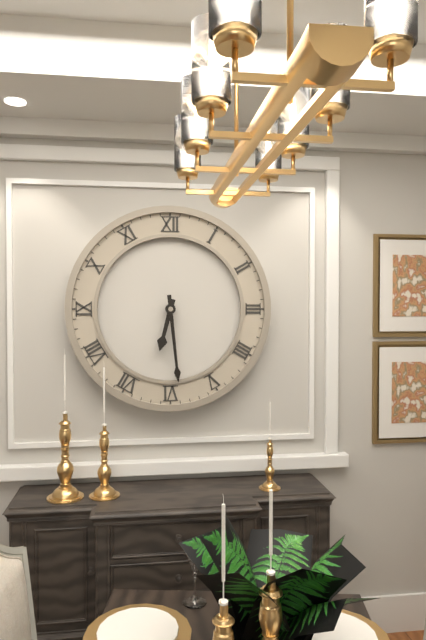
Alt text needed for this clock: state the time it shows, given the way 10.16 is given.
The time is 6.29
